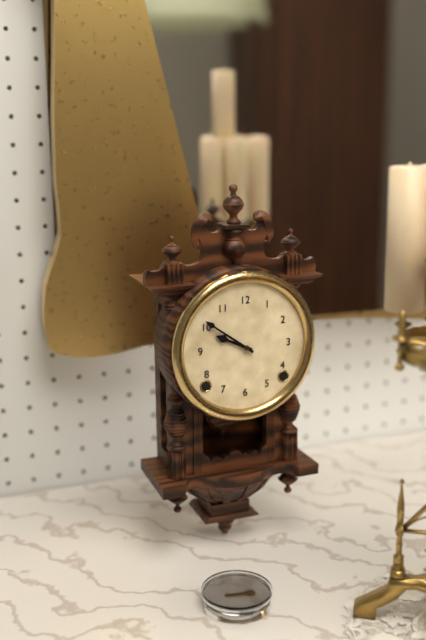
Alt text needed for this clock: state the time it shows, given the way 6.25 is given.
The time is 9.51
